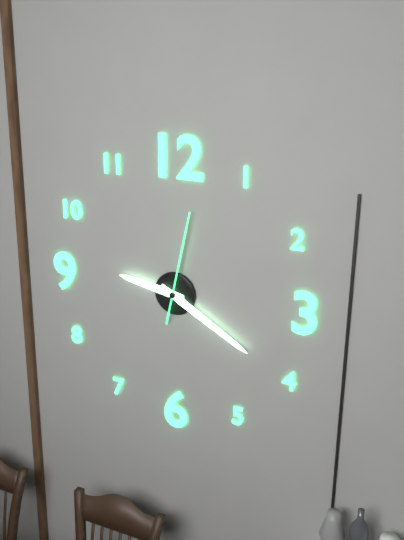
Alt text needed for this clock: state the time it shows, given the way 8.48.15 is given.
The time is 9.20.02
